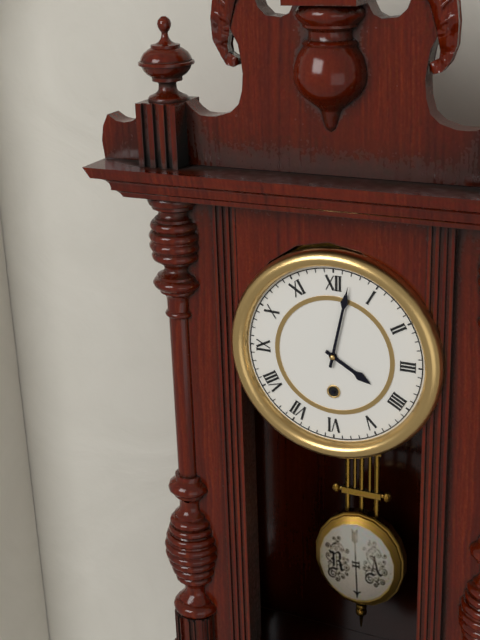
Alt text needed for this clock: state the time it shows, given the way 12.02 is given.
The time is 4.02
